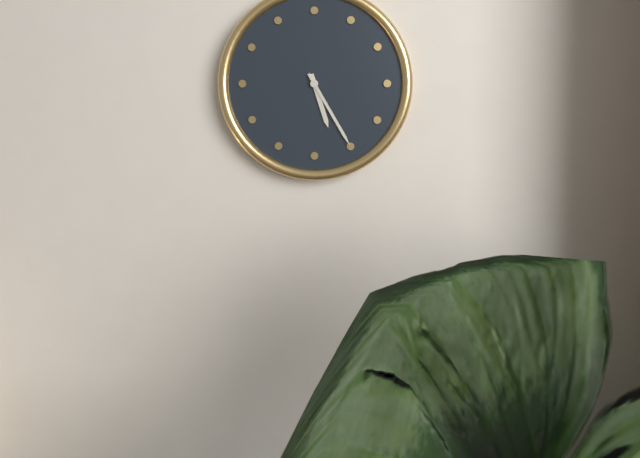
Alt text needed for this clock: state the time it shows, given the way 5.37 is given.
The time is 5.25
